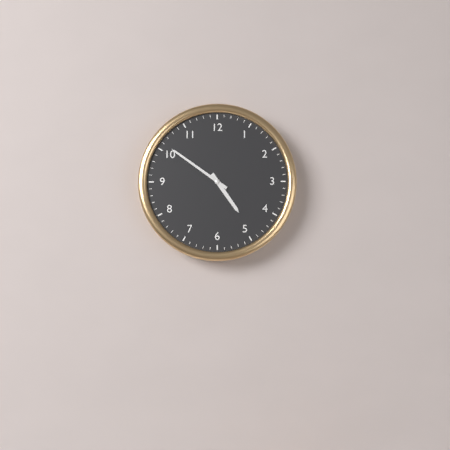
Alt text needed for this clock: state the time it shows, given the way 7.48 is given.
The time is 4.51
